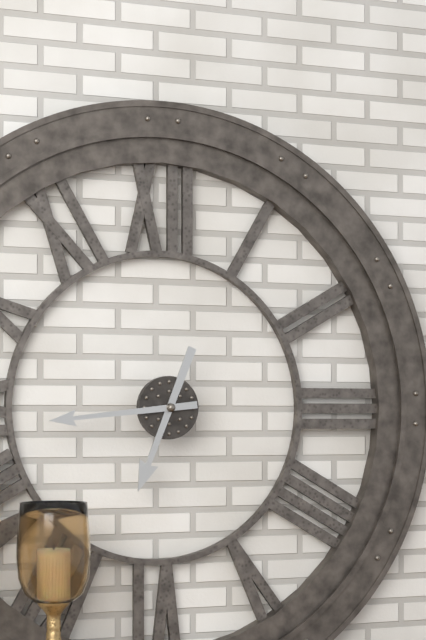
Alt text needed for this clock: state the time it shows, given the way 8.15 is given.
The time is 6.44
